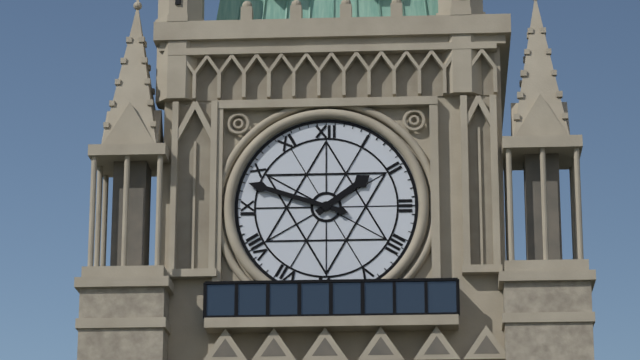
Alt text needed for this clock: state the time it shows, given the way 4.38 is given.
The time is 1.48
